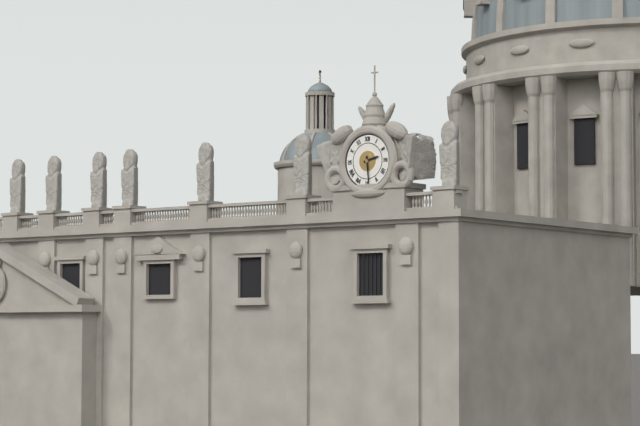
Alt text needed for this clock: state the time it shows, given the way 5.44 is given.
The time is 2.29
